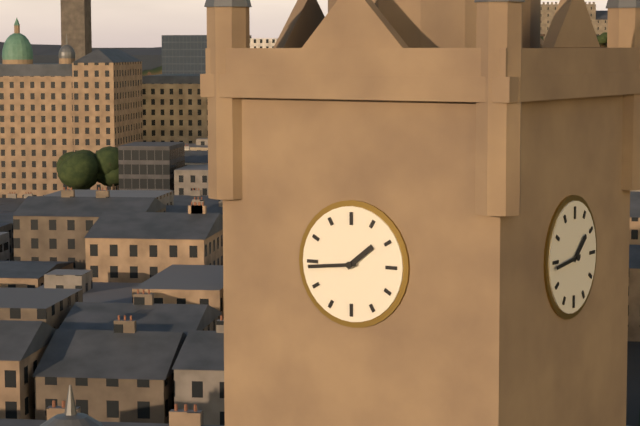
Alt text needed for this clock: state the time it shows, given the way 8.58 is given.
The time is 1.44
